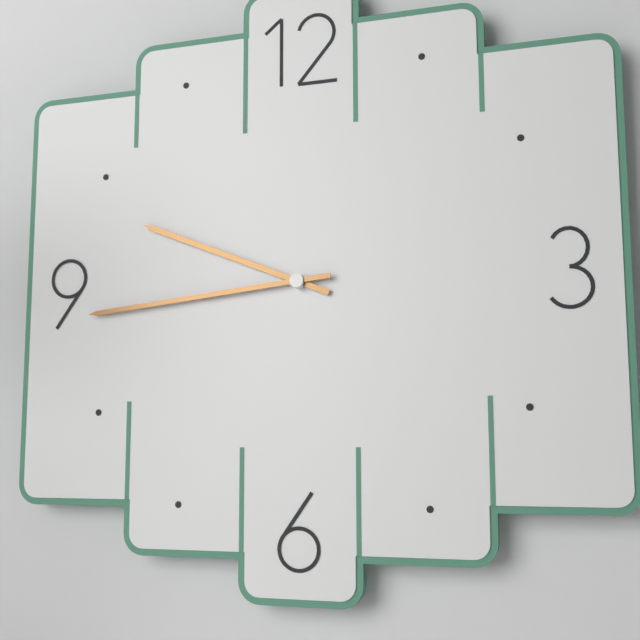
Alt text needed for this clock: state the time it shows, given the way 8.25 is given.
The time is 9.44
